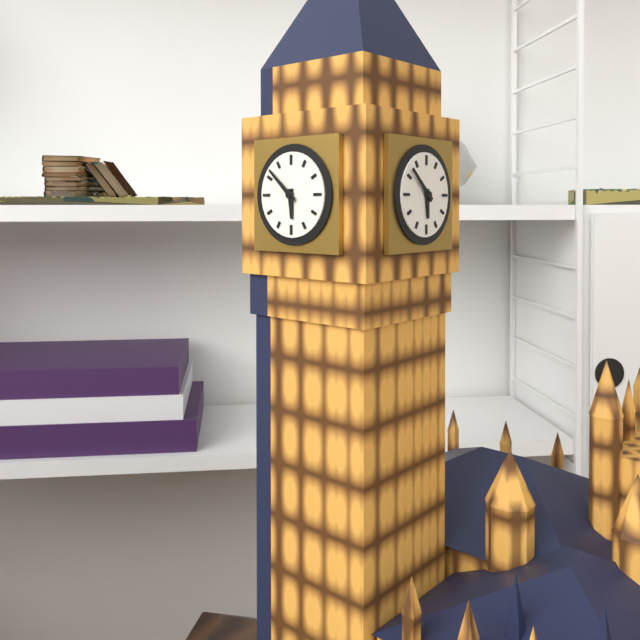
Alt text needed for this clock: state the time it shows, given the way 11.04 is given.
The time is 5.52
